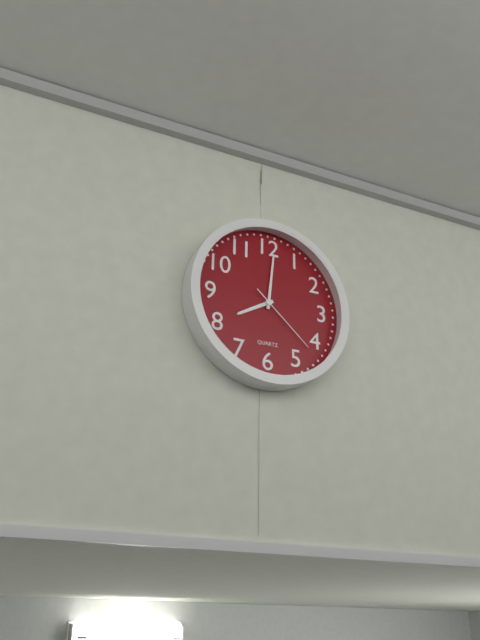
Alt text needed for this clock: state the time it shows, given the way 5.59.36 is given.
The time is 8.01.22
